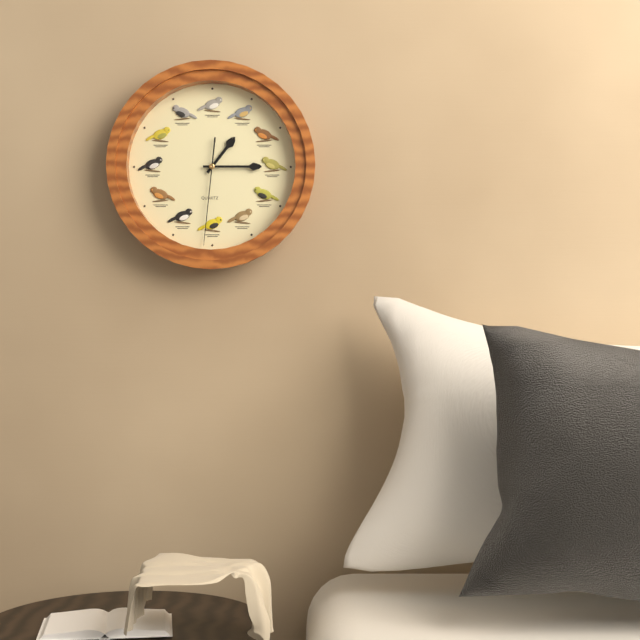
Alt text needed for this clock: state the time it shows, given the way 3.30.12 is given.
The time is 1.15.31
